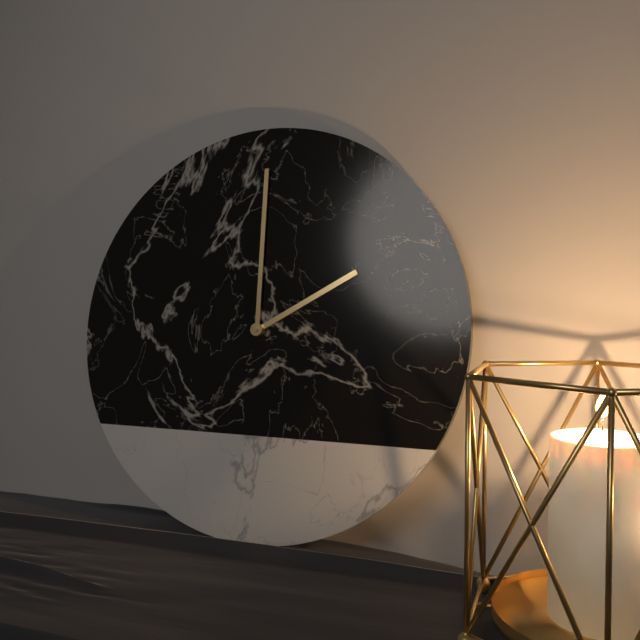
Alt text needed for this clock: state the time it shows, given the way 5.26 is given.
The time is 2.00
